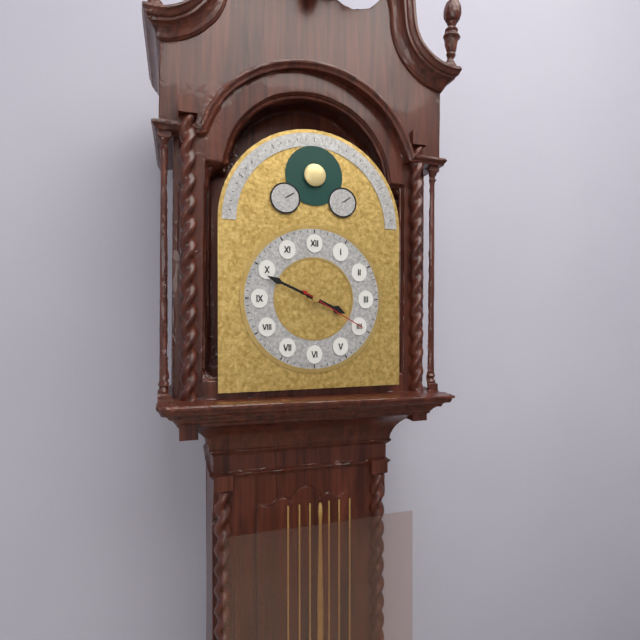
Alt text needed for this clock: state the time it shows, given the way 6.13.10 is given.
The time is 3.49.20
